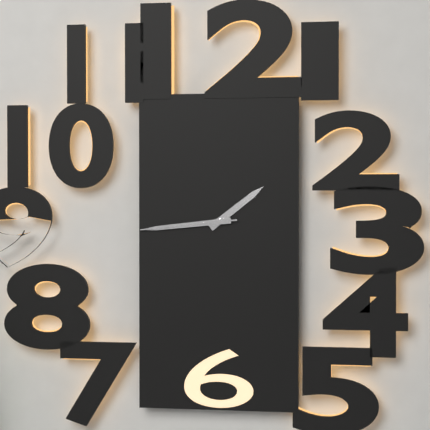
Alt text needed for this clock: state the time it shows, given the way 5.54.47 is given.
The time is 1.44.44
